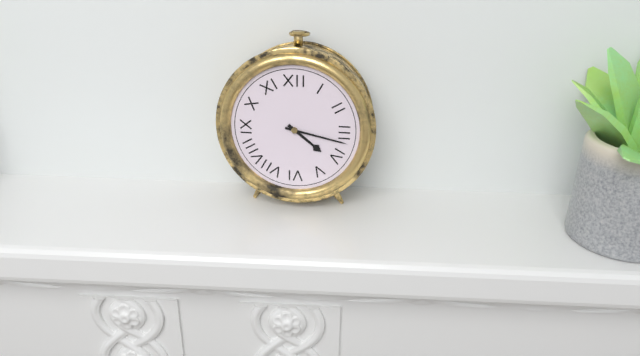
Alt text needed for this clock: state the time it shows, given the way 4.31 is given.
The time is 4.17
